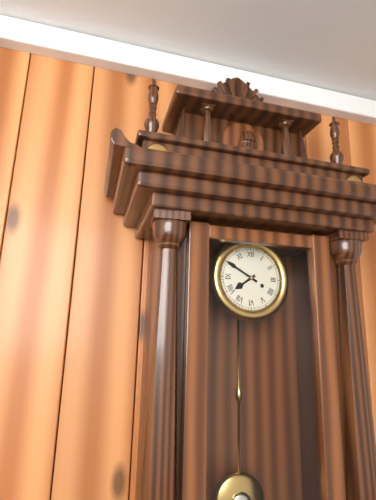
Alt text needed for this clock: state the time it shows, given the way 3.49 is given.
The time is 7.50
